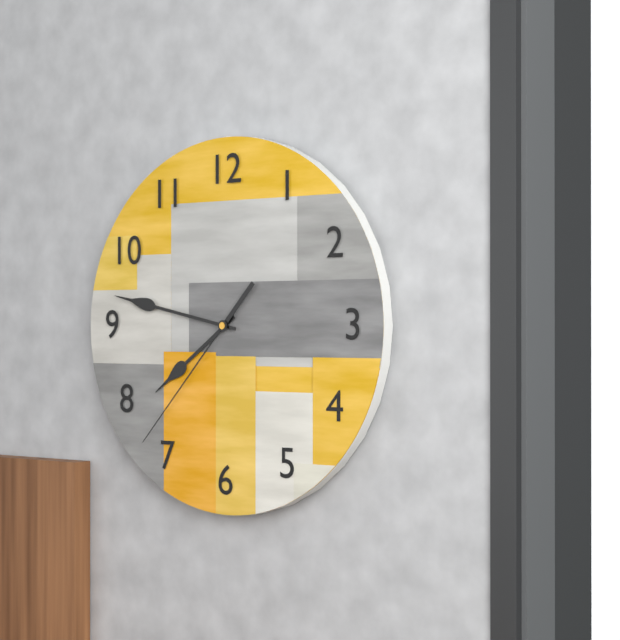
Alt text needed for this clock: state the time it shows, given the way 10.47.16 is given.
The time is 7.47.37
